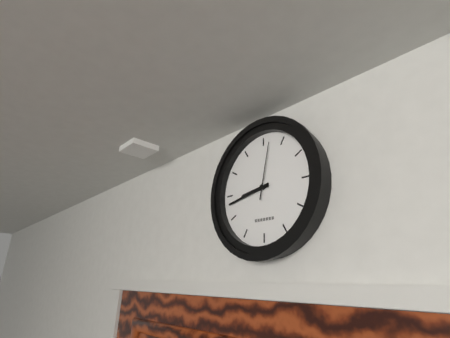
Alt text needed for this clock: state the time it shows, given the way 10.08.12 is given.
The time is 8.43.02
